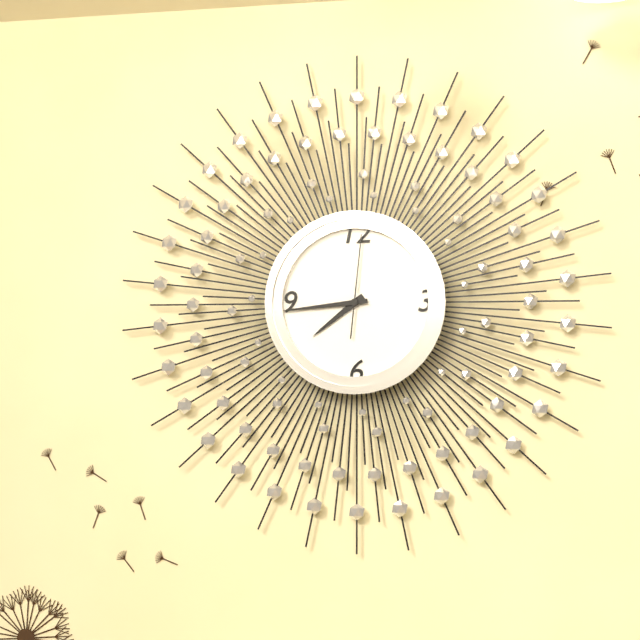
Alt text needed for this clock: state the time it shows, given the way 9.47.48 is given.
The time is 7.44.01
